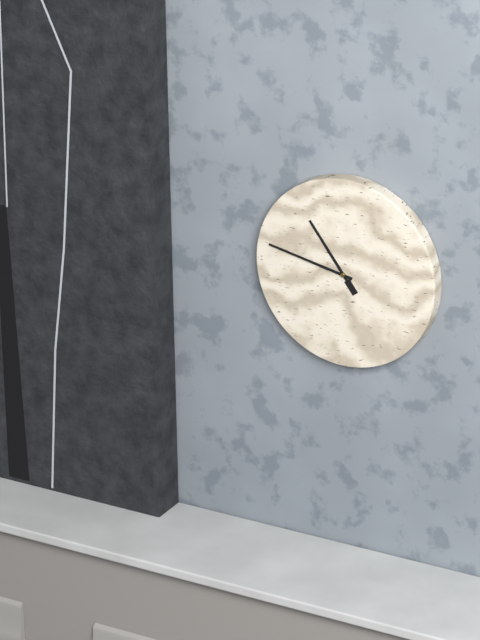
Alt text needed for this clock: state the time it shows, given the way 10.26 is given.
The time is 10.47
